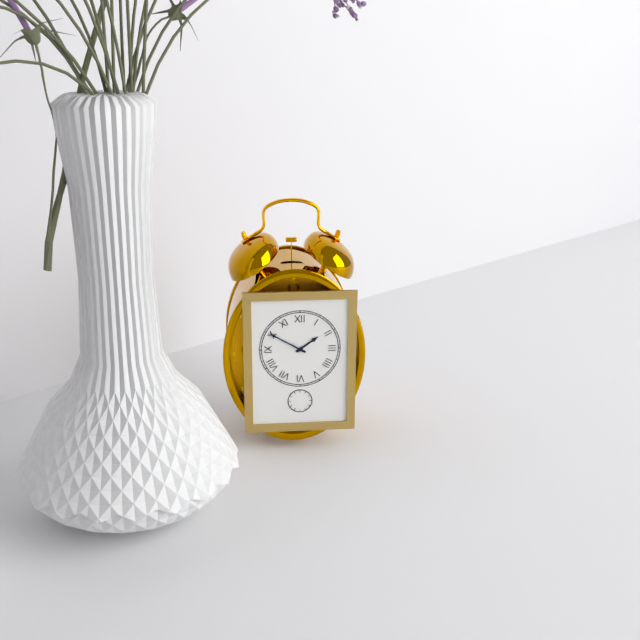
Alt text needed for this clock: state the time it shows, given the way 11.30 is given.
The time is 1.50
